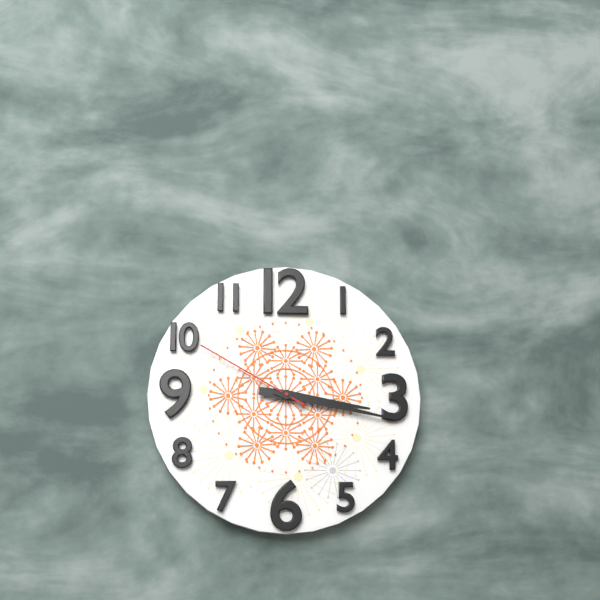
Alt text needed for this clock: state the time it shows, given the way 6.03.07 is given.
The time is 3.17.50
